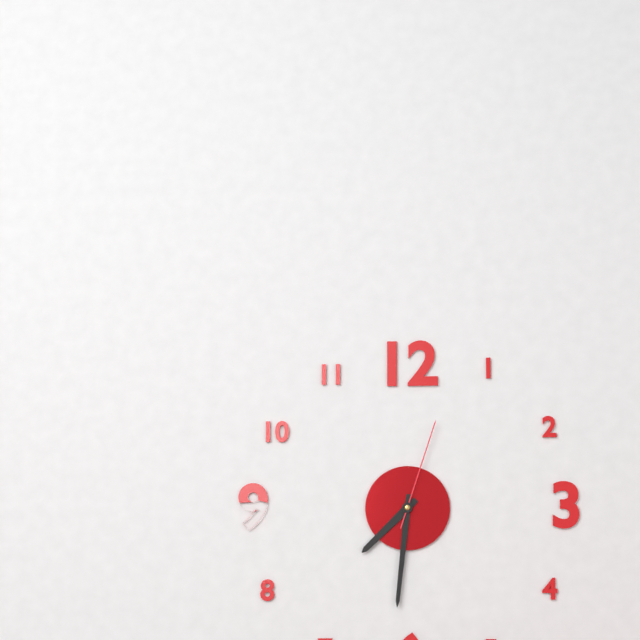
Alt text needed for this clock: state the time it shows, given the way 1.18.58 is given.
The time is 7.31.03
